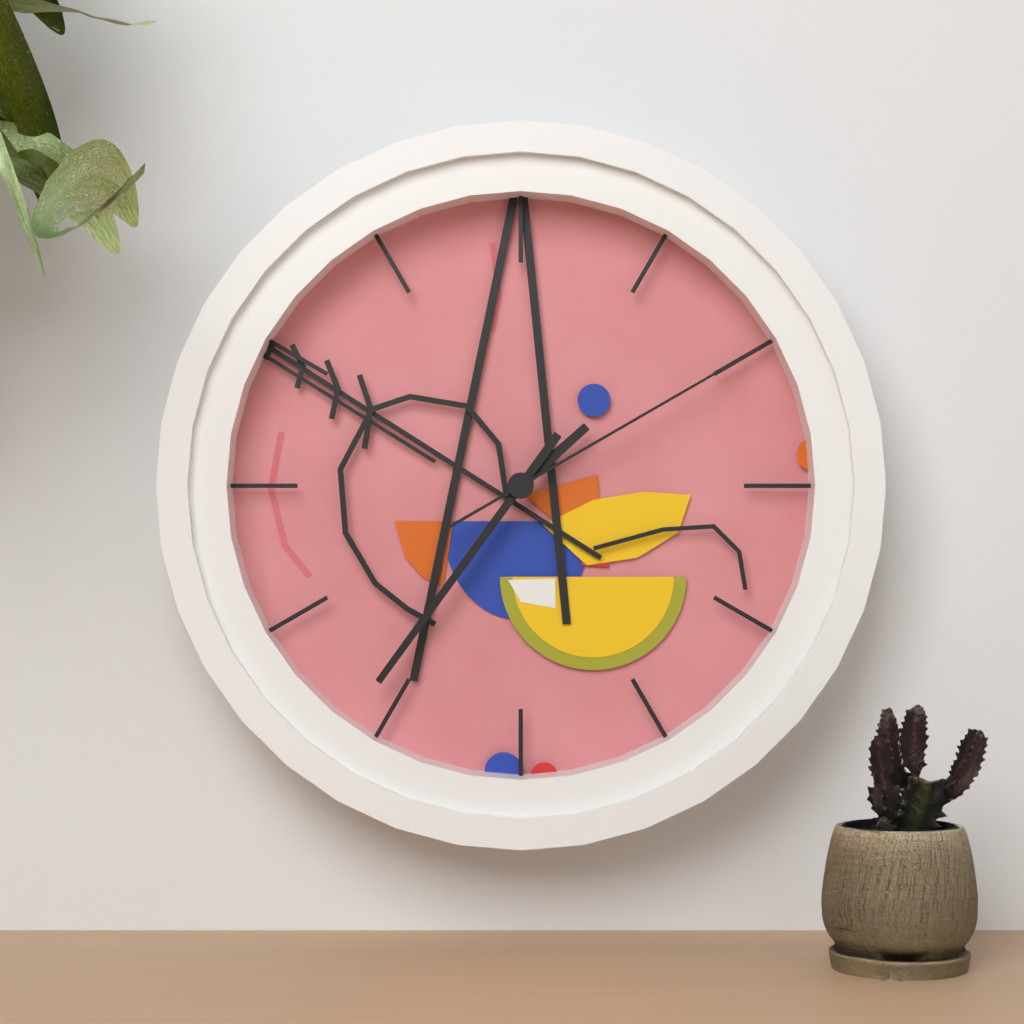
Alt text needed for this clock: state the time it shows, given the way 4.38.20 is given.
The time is 1.36.10
